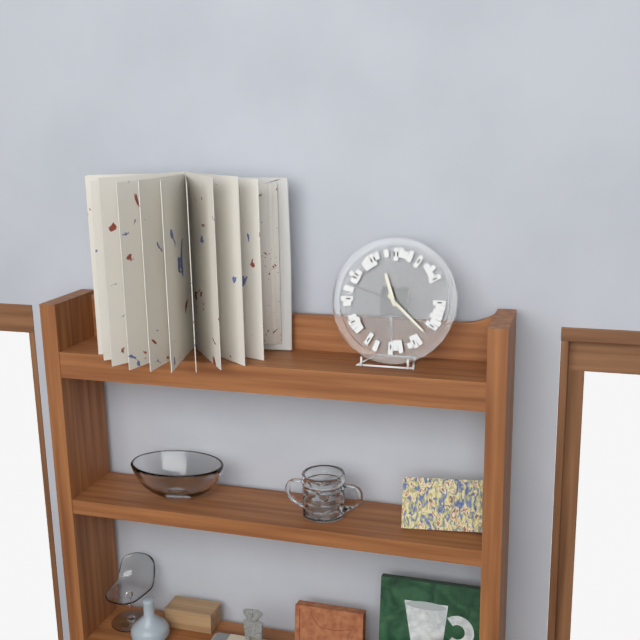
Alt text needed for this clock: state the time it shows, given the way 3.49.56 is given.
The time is 11.22.48
